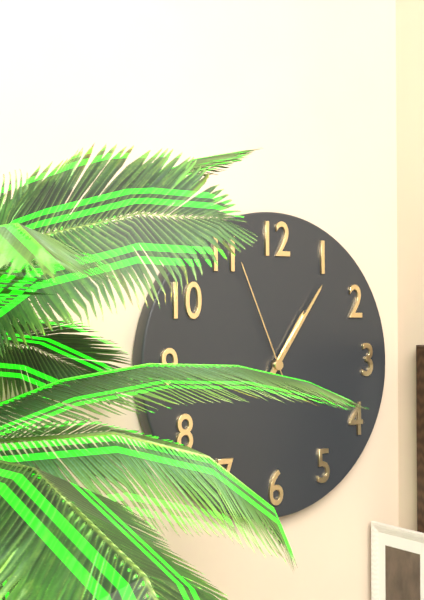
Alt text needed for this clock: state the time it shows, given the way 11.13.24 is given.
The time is 1.06.56
